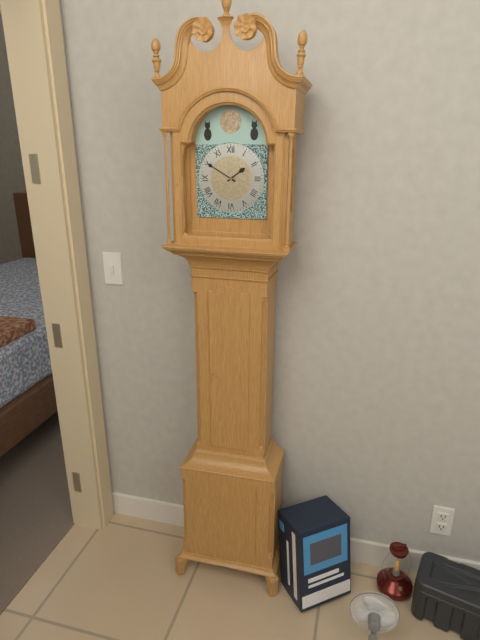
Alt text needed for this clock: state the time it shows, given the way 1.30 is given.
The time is 1.50
